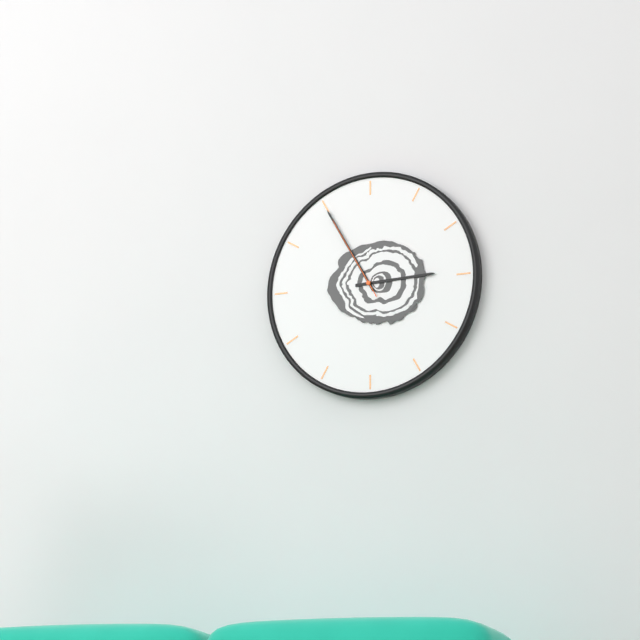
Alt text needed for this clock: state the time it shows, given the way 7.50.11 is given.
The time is 2.55.55
